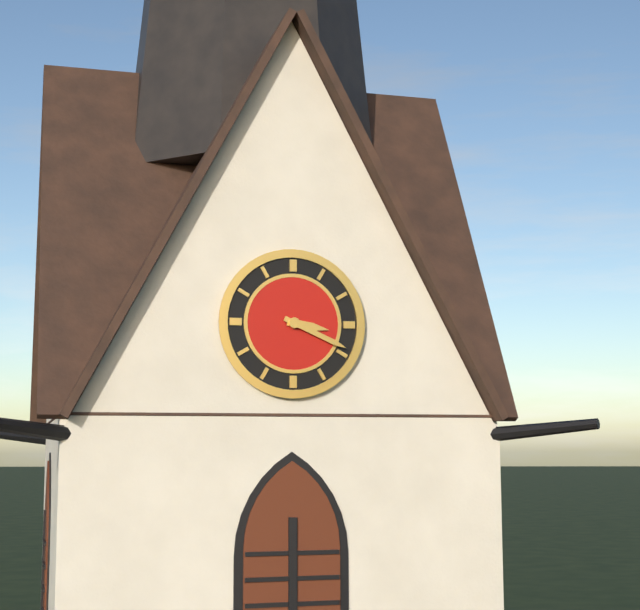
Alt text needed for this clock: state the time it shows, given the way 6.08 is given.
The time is 3.19
